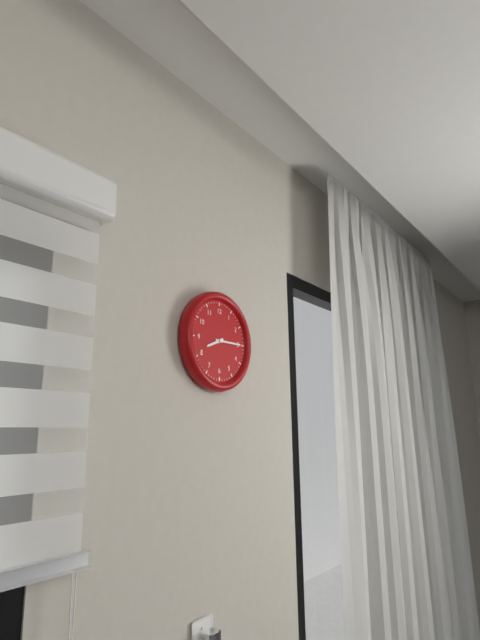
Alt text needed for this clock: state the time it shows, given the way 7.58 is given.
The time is 8.15
